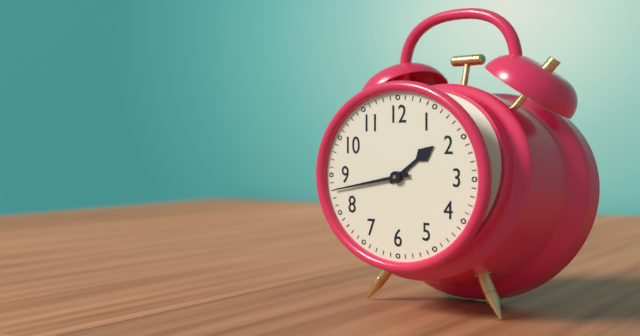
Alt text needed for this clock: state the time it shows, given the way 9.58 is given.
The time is 1.43
